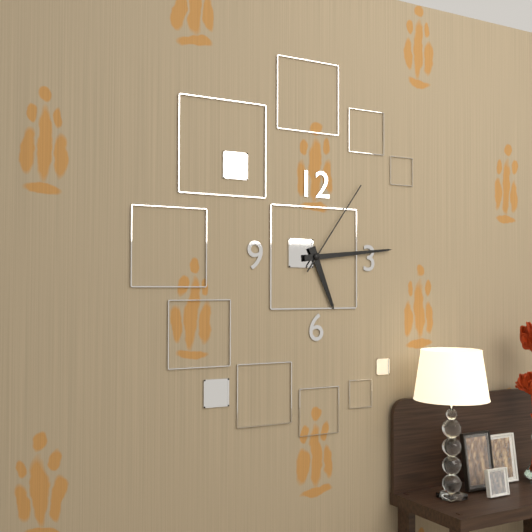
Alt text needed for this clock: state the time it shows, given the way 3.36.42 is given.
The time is 5.14.06
